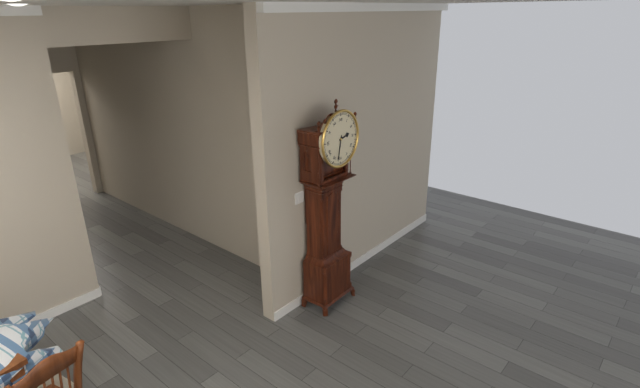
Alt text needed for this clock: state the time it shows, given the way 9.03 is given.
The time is 2.32
